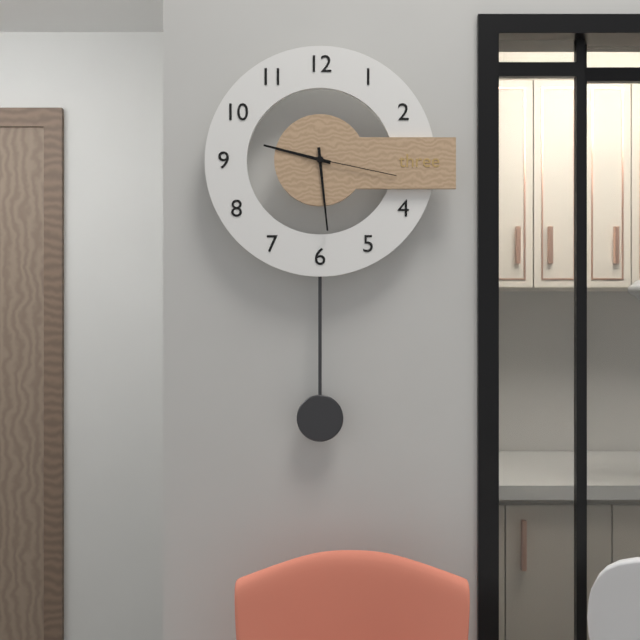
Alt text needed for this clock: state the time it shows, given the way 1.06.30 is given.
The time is 9.29.17
